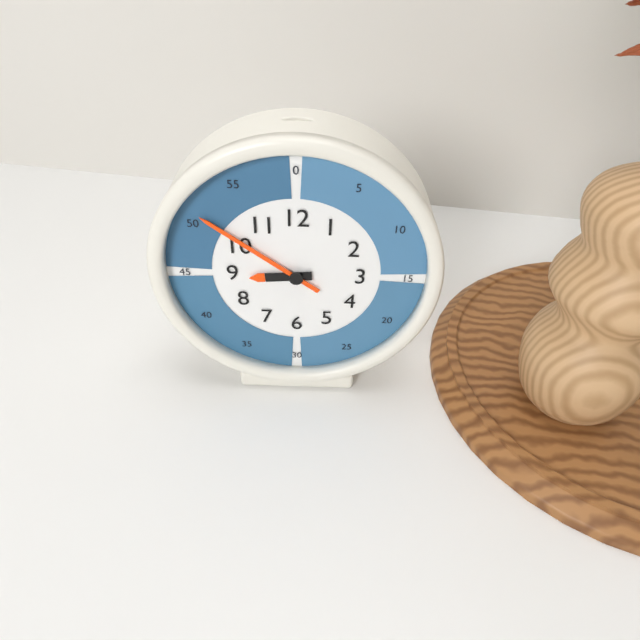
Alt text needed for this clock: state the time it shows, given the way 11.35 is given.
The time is 8.51
